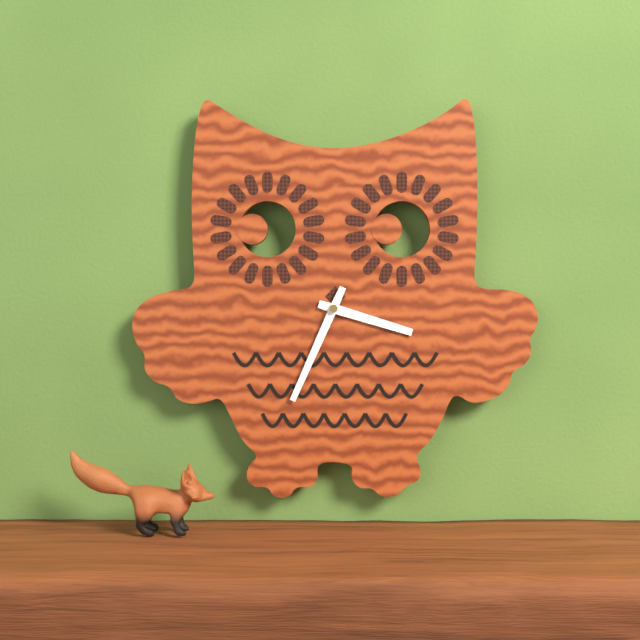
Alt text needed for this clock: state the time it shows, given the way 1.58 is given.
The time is 3.34
